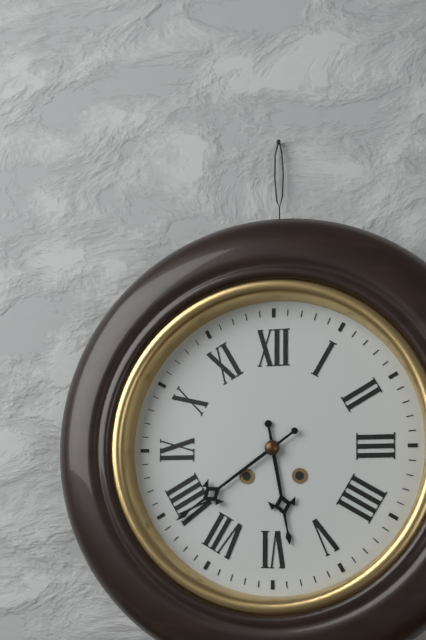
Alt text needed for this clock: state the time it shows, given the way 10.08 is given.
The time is 5.39
